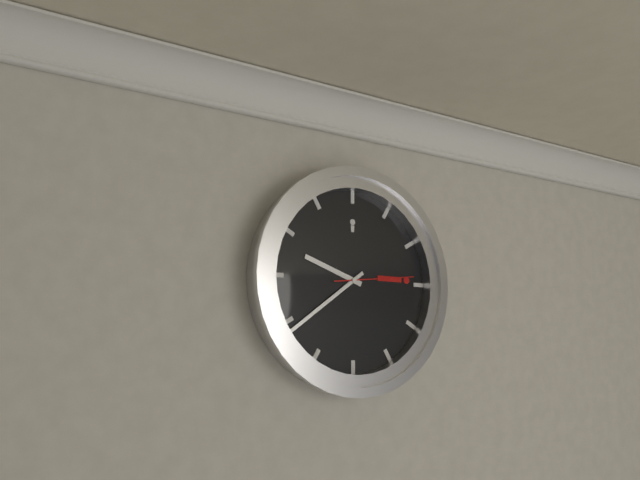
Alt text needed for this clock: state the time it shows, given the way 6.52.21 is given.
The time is 9.39.14
